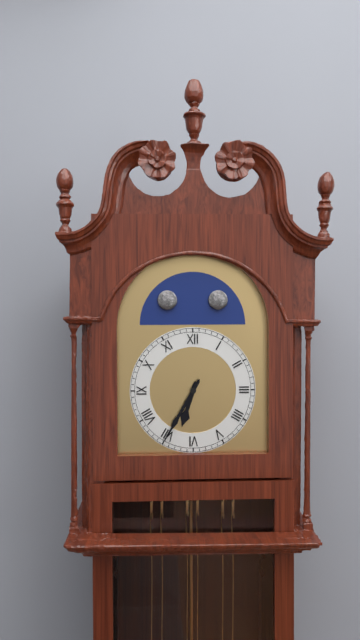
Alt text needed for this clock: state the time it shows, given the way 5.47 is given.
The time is 6.35
